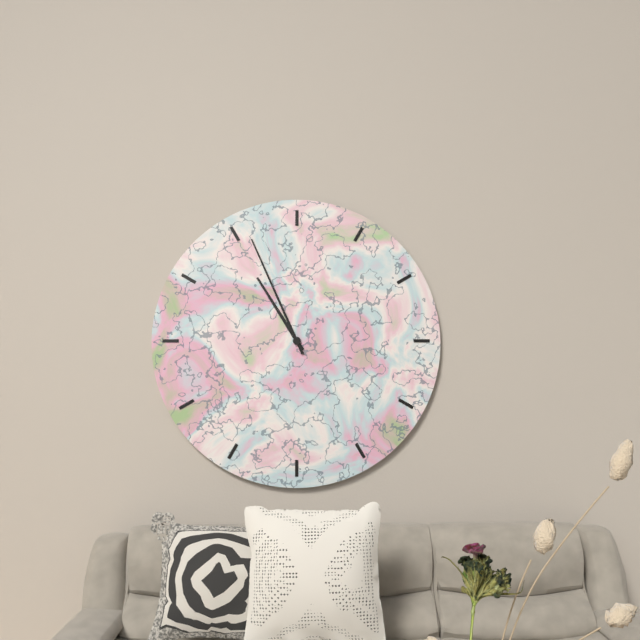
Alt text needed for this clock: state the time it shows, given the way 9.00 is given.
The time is 10.56
